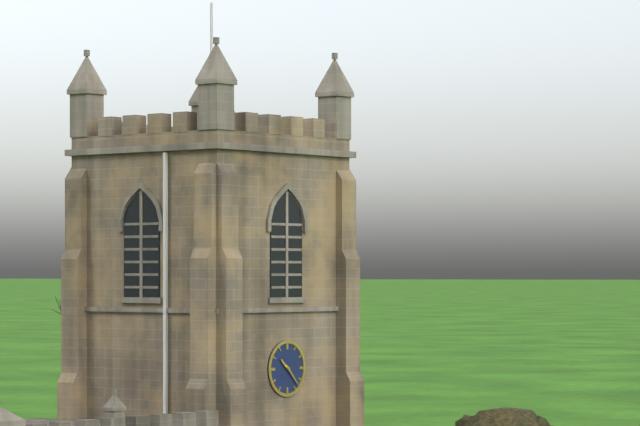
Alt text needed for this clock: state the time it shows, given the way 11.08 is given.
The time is 10.23
